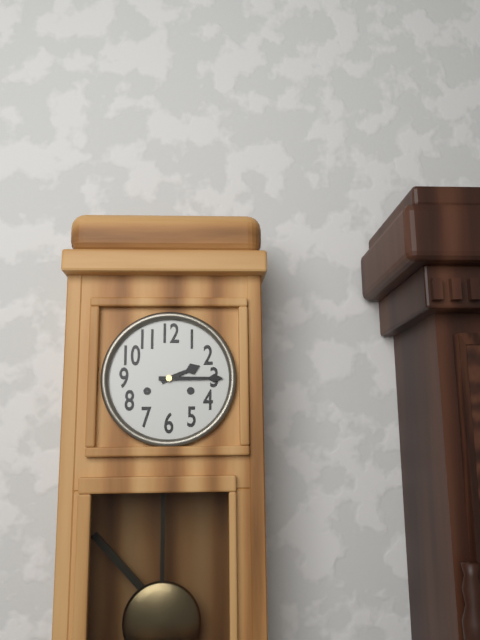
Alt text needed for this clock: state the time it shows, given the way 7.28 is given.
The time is 2.15
